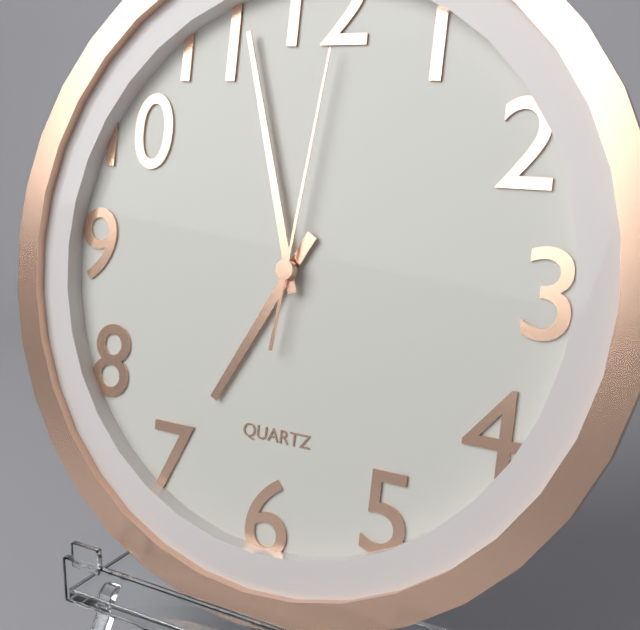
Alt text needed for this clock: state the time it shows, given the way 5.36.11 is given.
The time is 6.57.01
